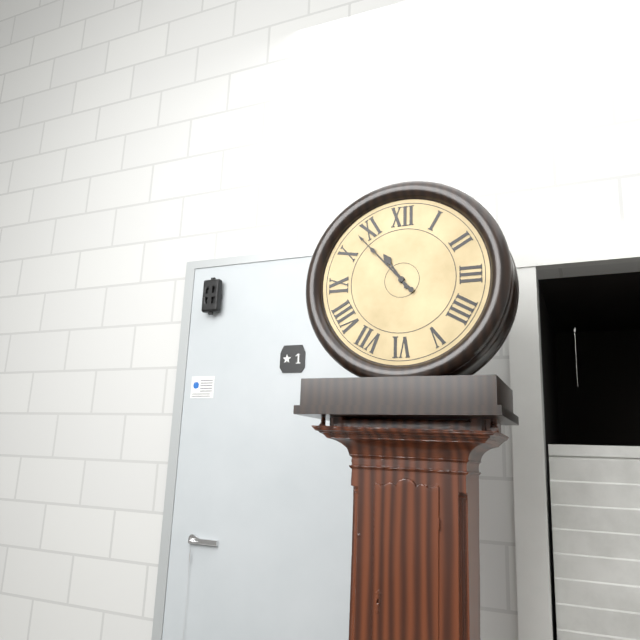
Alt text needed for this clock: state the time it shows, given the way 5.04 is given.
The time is 10.53
